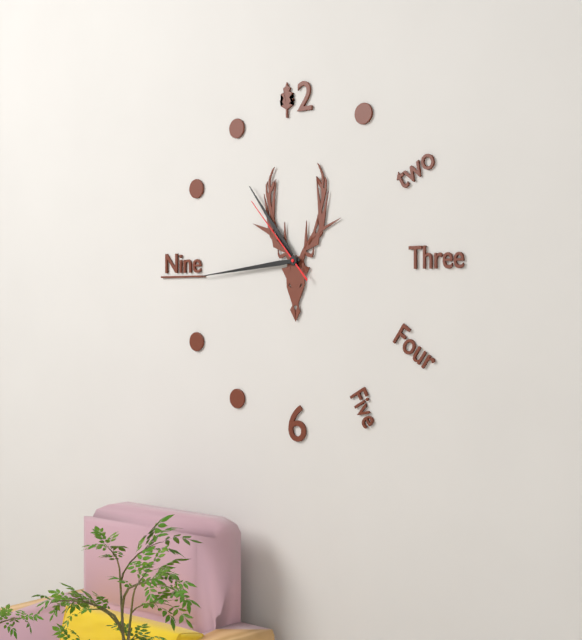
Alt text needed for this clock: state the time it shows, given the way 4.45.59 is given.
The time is 10.44.53
